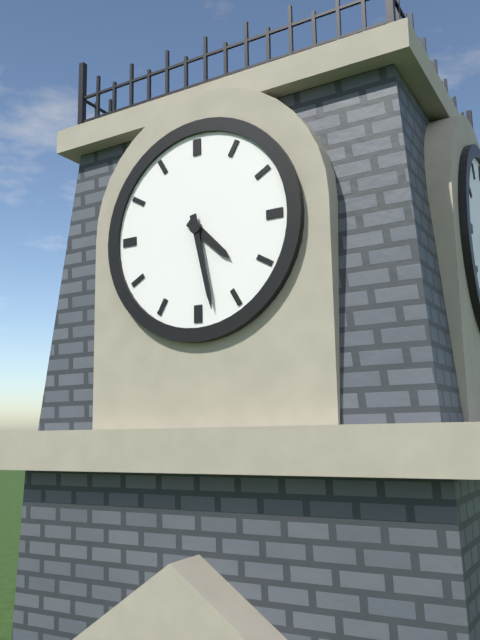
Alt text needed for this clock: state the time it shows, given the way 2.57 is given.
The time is 4.28
